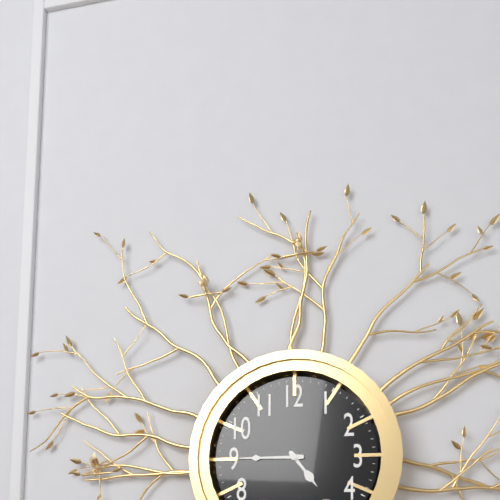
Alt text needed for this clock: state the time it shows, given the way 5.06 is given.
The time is 4.45
